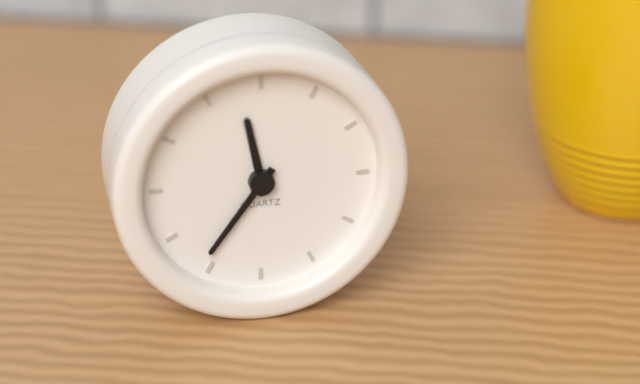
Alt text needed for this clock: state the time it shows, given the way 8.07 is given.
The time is 11.36
